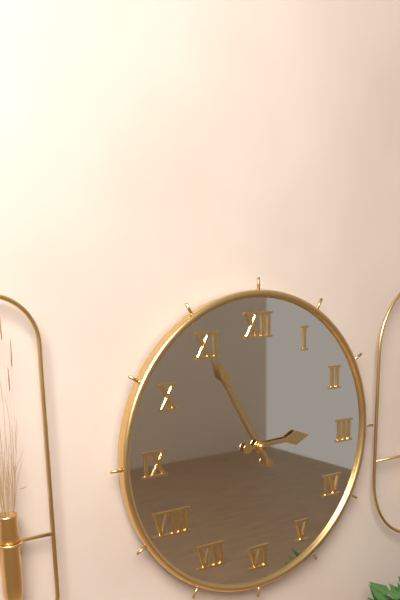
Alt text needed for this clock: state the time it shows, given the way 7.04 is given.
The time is 2.55
